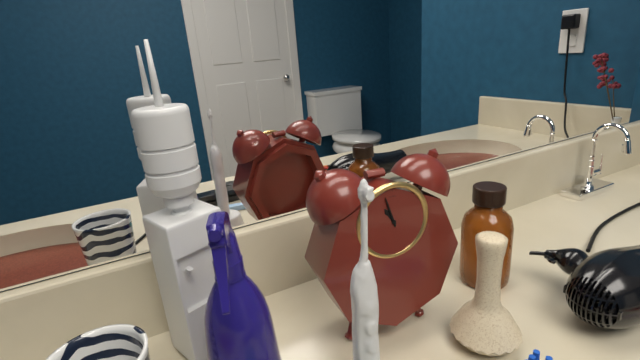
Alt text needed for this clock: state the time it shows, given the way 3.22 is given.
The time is 10.57
